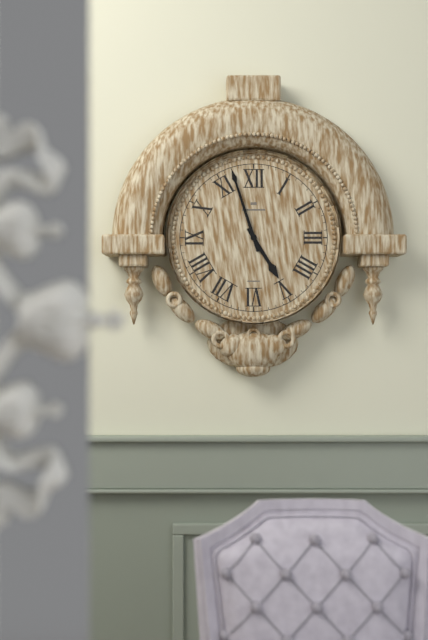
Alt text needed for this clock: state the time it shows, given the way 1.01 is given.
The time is 4.57
